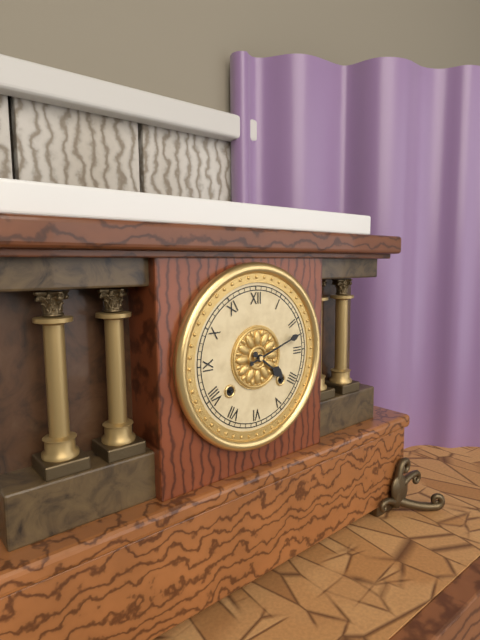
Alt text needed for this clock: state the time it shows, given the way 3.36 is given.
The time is 4.12
